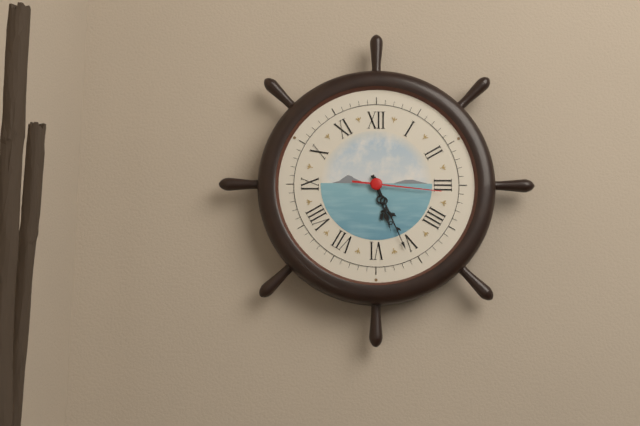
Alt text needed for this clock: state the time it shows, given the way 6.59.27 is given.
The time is 5.26.16
